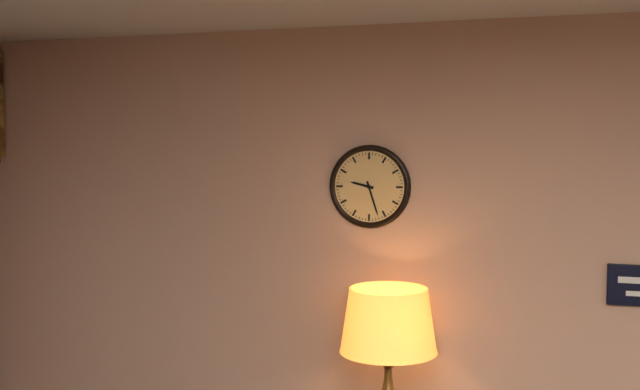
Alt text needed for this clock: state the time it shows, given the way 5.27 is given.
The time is 9.27
